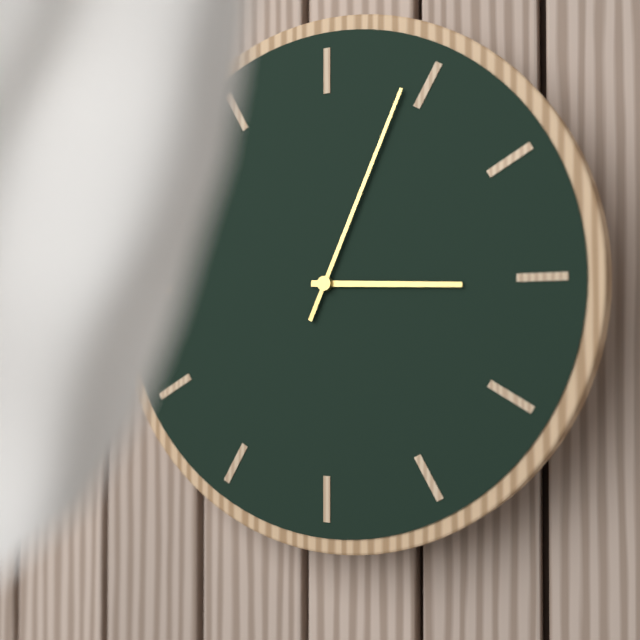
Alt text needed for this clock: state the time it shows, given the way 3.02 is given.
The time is 3.04
